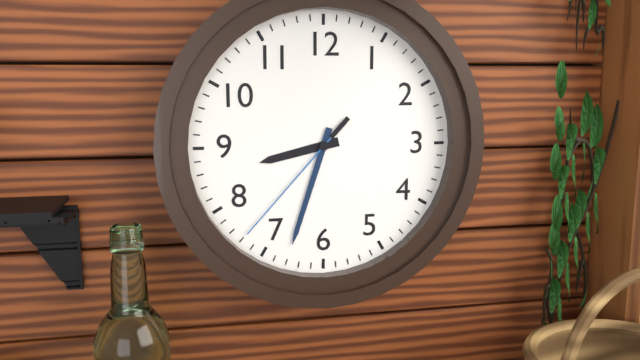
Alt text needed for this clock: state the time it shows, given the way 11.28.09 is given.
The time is 8.33.37
